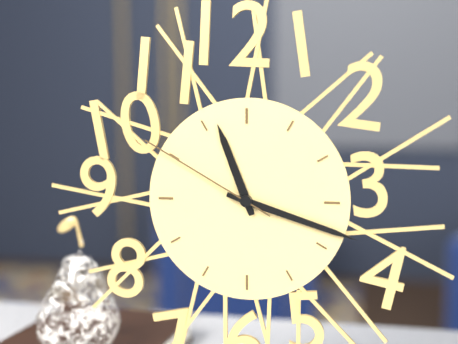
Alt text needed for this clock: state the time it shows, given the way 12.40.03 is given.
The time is 11.18.50
